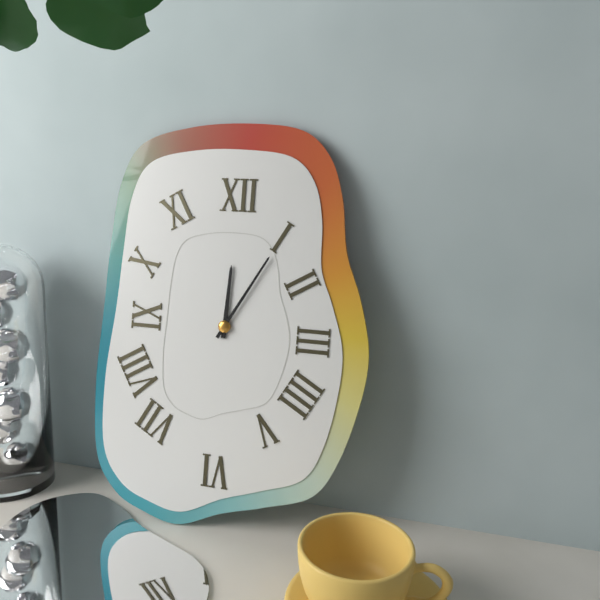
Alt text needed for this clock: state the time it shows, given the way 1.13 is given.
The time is 12.05
